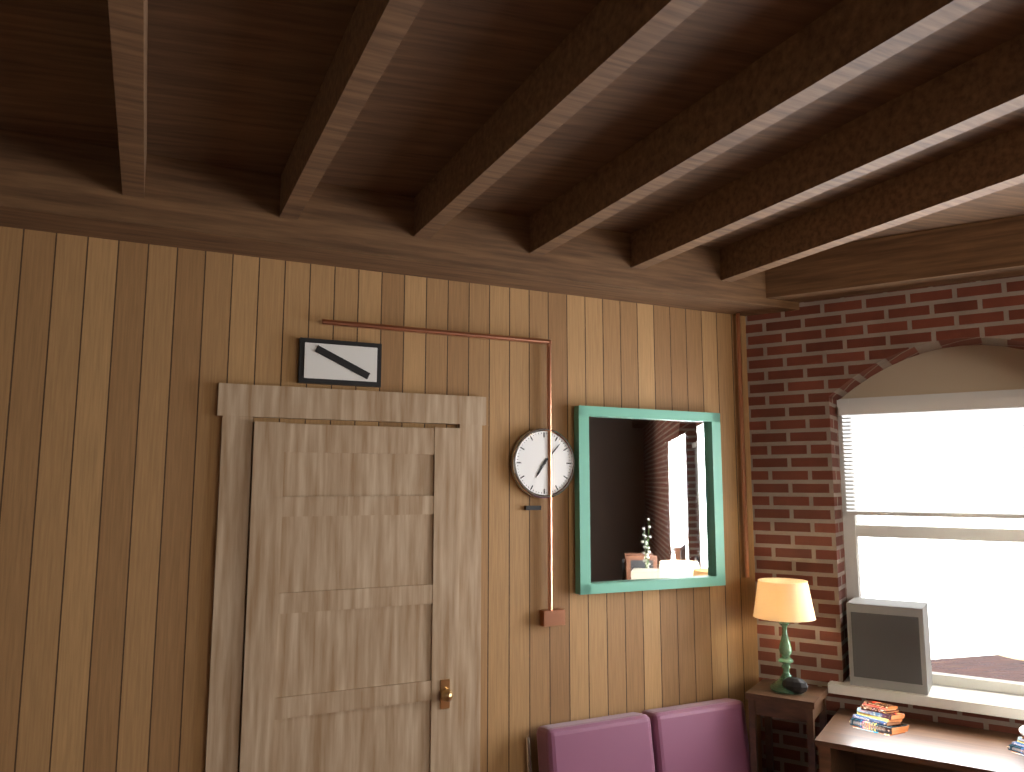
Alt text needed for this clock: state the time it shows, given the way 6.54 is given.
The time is 7.07
